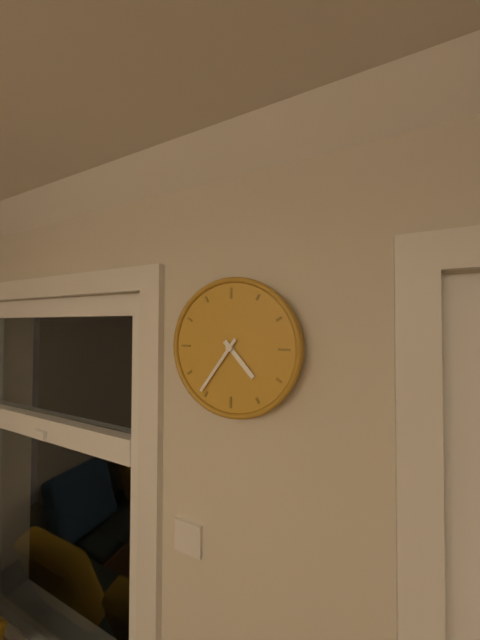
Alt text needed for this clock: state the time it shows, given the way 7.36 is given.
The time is 4.36
